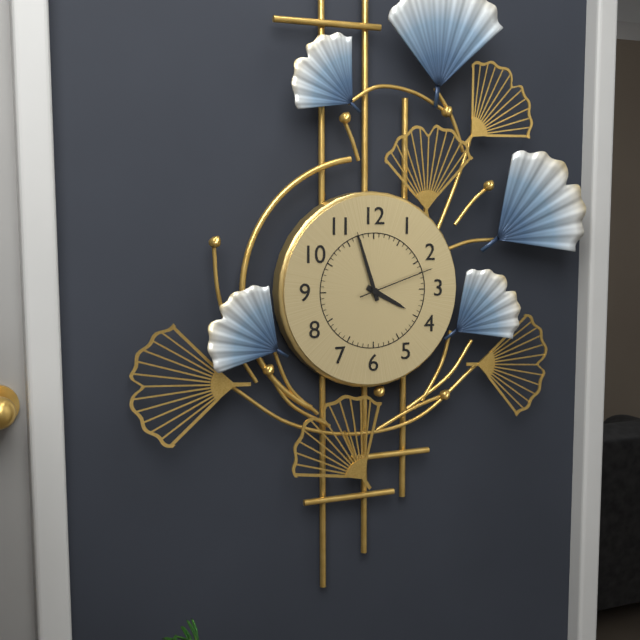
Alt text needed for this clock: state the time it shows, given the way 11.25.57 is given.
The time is 3.57.12
